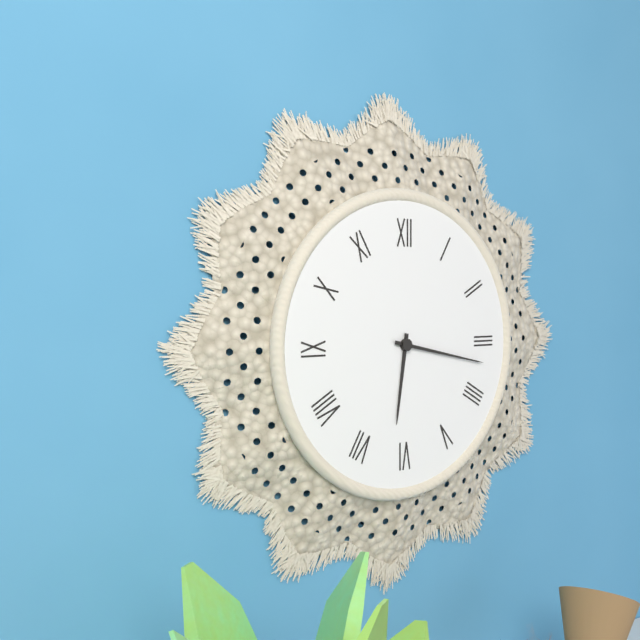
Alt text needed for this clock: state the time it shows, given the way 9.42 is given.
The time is 6.17
